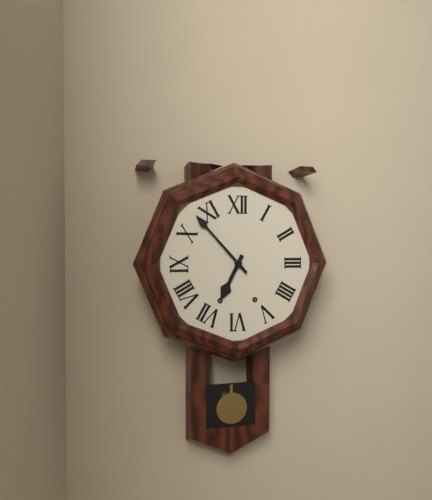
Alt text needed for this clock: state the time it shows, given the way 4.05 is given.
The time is 6.53
